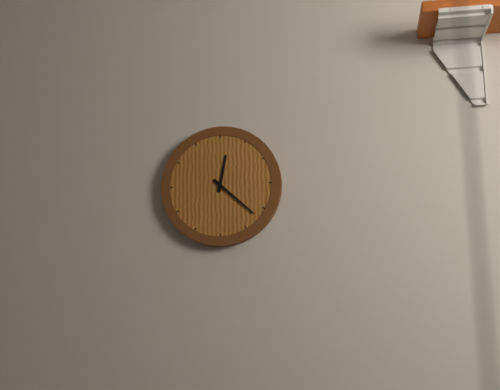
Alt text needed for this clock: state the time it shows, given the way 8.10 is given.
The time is 12.22
